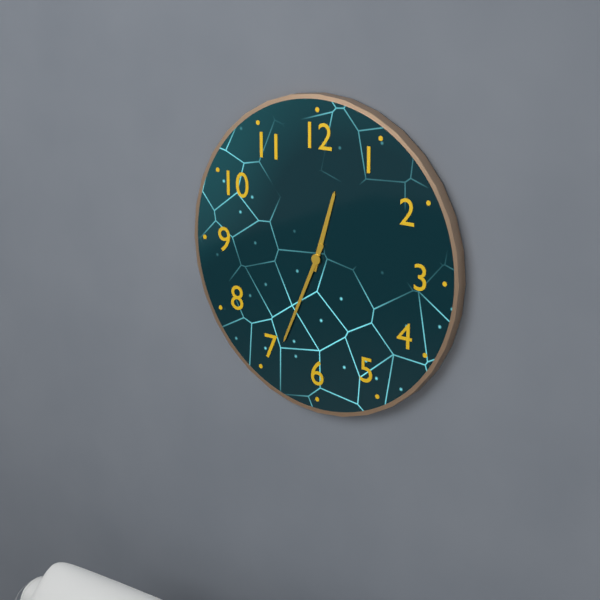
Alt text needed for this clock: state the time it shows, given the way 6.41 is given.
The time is 12.34
